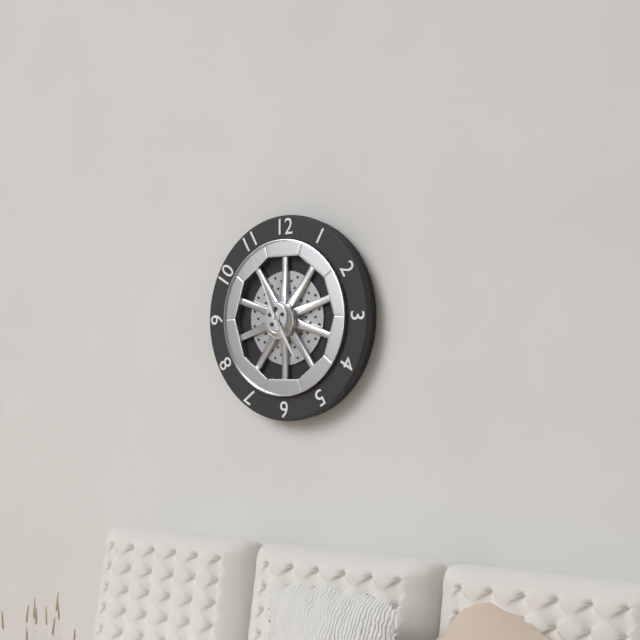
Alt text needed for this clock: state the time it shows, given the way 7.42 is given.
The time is 4.56
